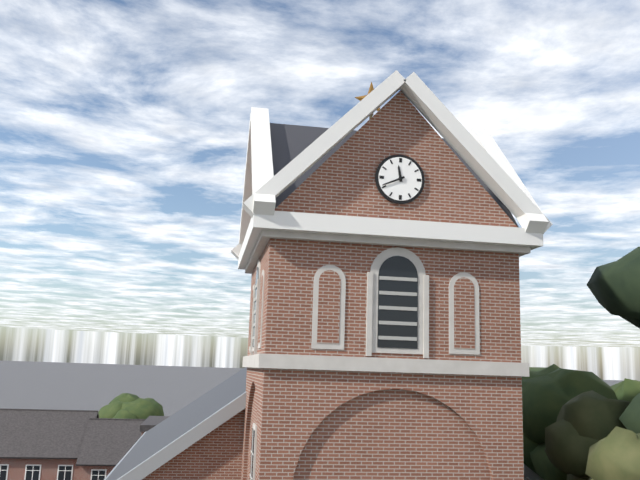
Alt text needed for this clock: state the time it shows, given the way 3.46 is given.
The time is 11.41
